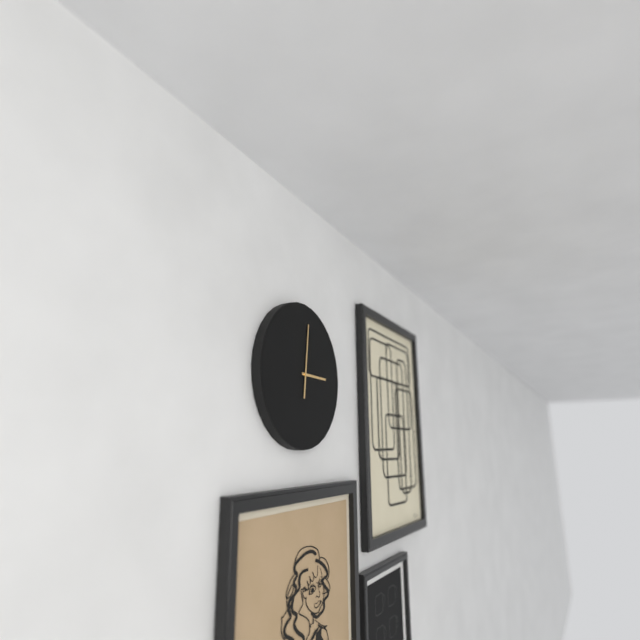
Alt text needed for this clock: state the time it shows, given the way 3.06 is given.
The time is 3.01
